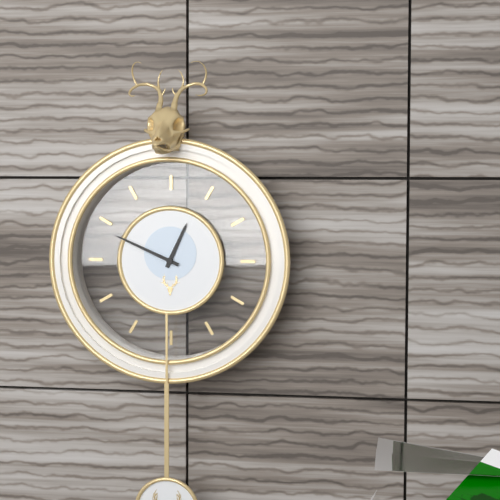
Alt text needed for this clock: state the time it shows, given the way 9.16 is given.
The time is 12.49
